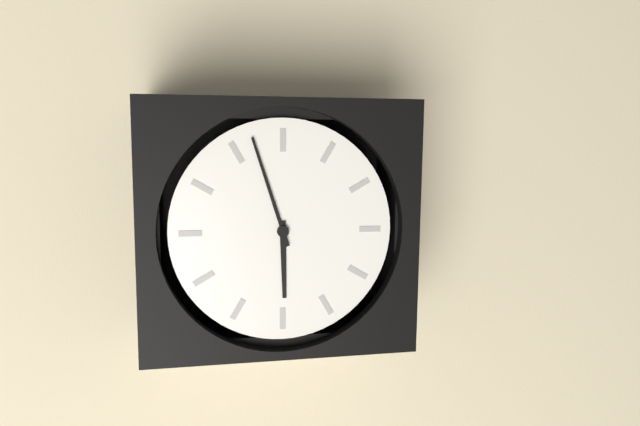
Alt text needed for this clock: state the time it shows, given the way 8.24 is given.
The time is 5.57
